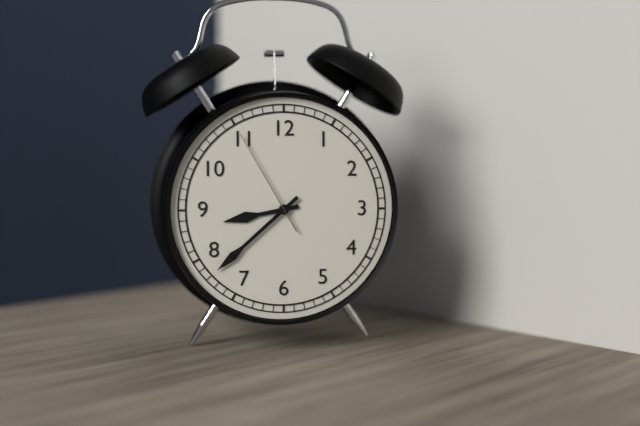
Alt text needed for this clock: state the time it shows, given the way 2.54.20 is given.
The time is 8.38.55
